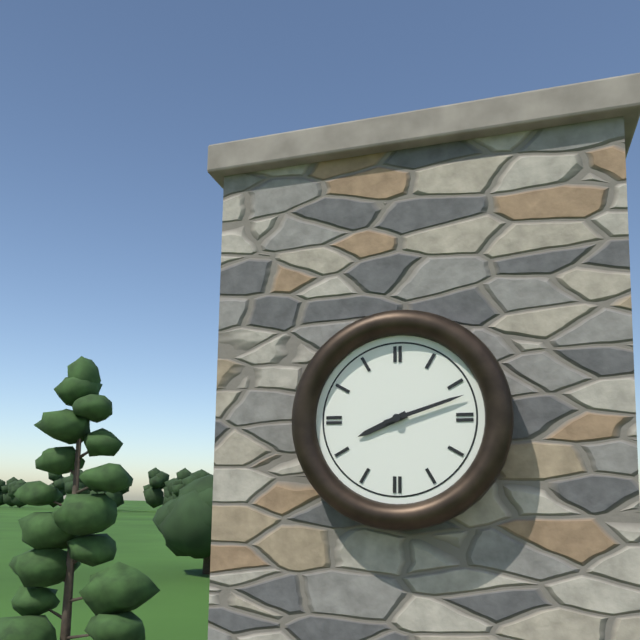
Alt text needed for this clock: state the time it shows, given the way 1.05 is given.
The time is 8.12
